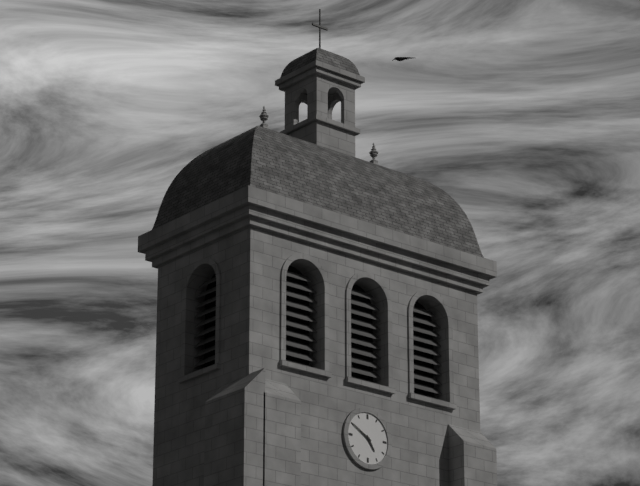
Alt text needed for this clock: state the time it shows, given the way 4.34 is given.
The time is 4.50
